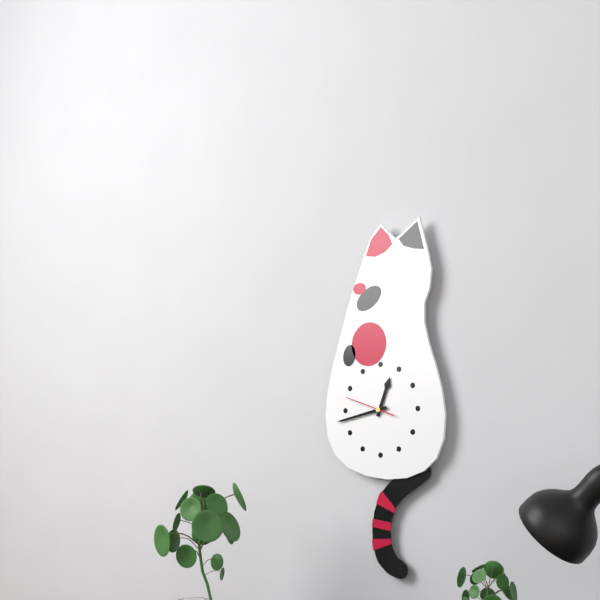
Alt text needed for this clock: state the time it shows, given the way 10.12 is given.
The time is 12.43
